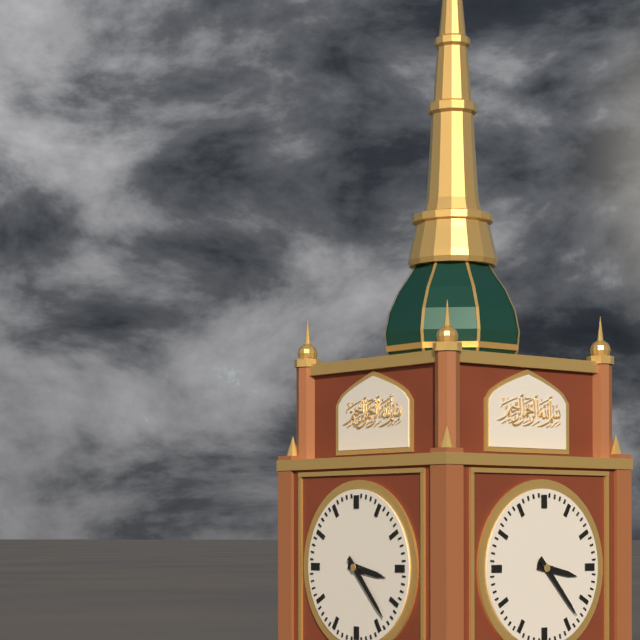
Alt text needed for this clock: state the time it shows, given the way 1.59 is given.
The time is 3.23
